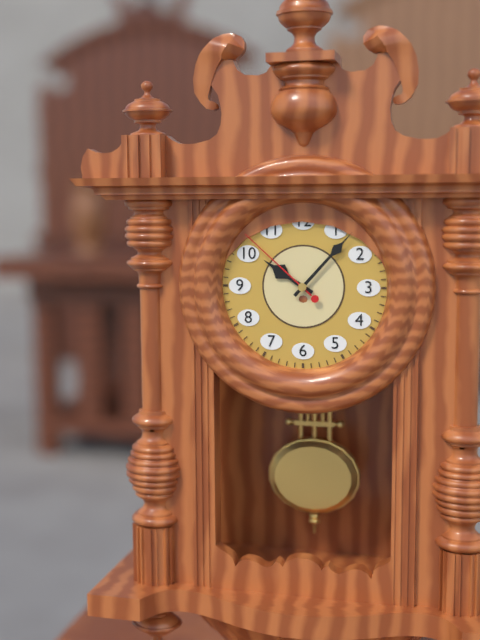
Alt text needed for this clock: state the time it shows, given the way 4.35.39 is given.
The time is 10.07.52
